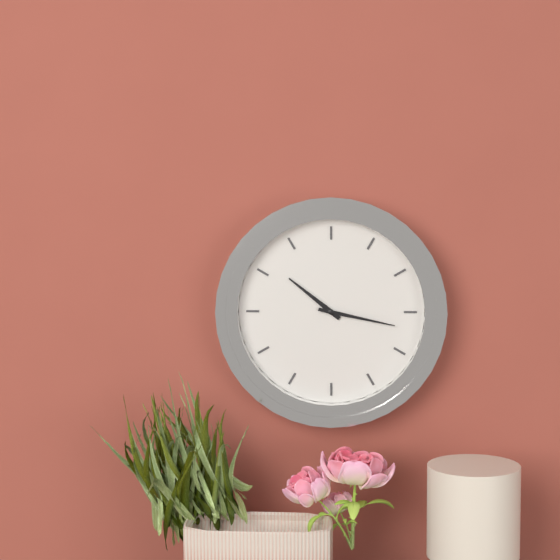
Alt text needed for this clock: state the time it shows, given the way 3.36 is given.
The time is 10.17
